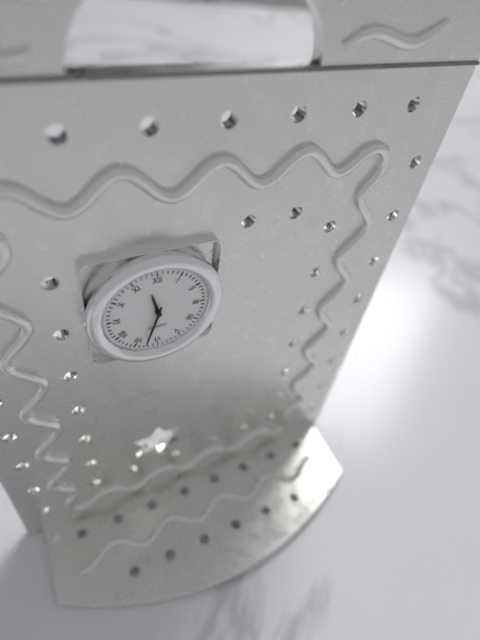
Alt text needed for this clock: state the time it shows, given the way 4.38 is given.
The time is 11.33
